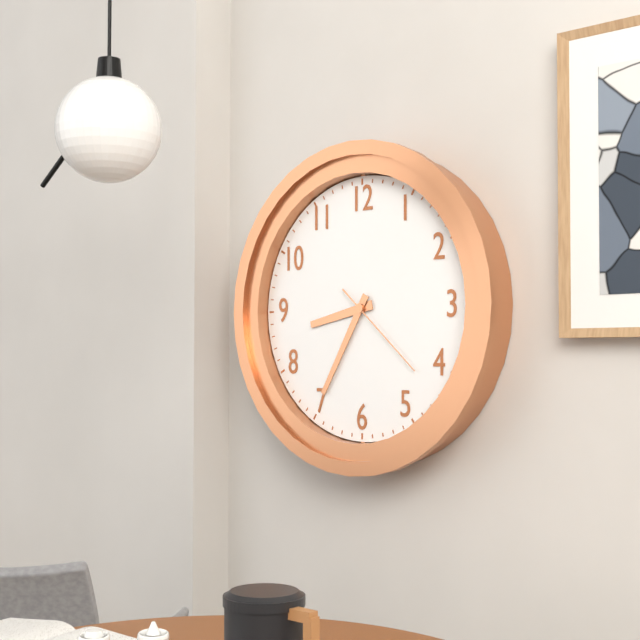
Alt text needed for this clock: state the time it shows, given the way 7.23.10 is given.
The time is 8.35.22
